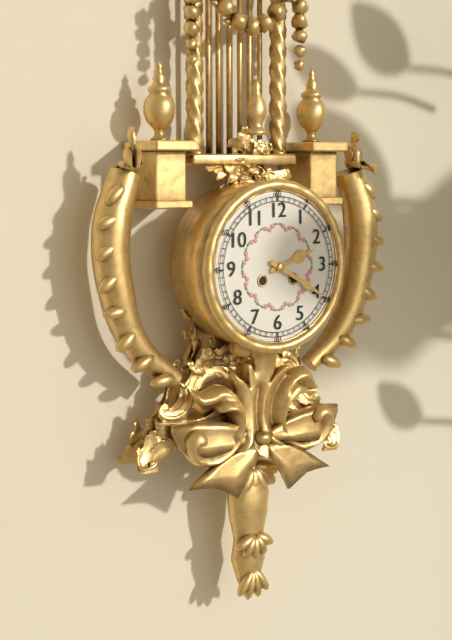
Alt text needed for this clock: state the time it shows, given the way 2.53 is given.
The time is 2.20
